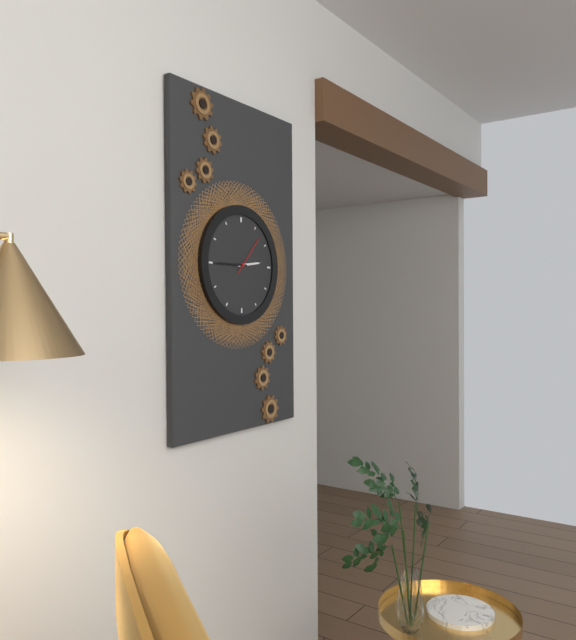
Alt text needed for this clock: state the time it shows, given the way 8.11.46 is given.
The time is 2.45.07
